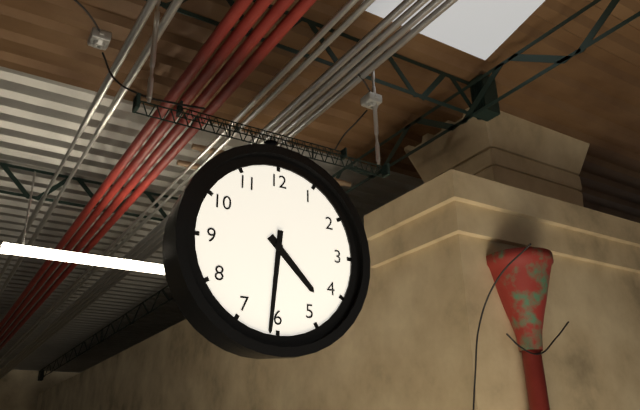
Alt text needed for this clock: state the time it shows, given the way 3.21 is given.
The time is 4.31
